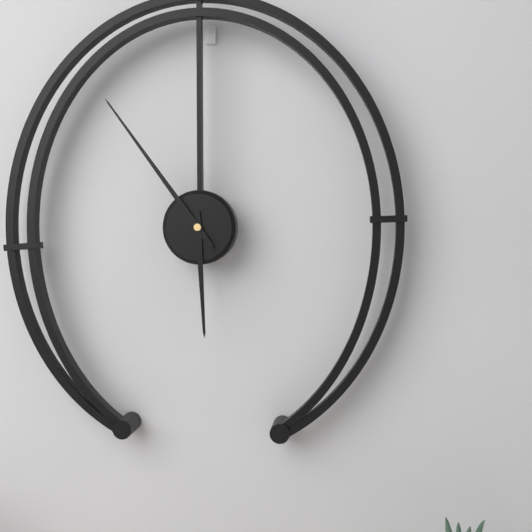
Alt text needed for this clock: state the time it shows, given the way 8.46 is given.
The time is 5.54
